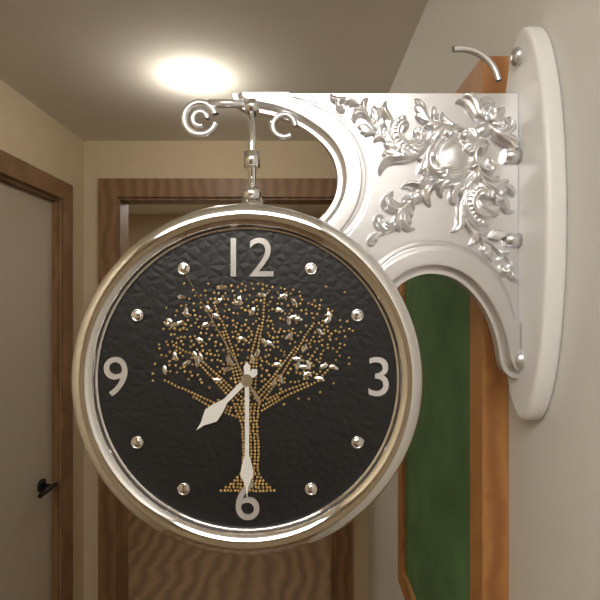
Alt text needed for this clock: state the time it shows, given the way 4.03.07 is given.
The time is 7.30.55
